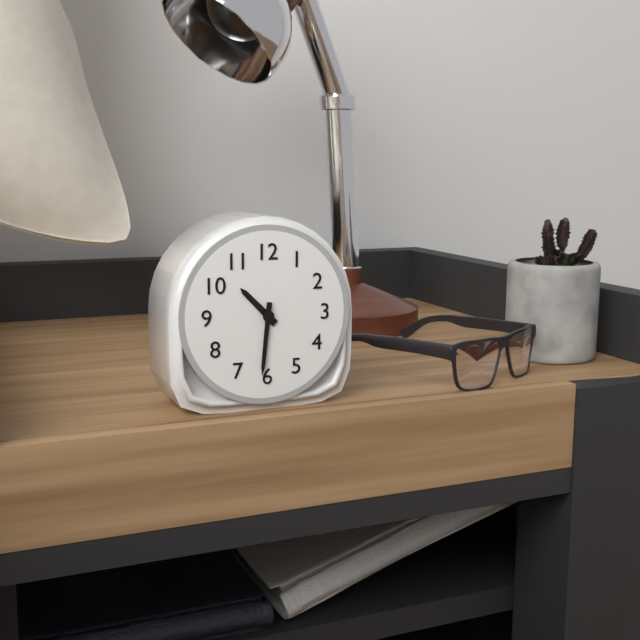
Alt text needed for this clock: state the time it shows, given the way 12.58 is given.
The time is 10.31
